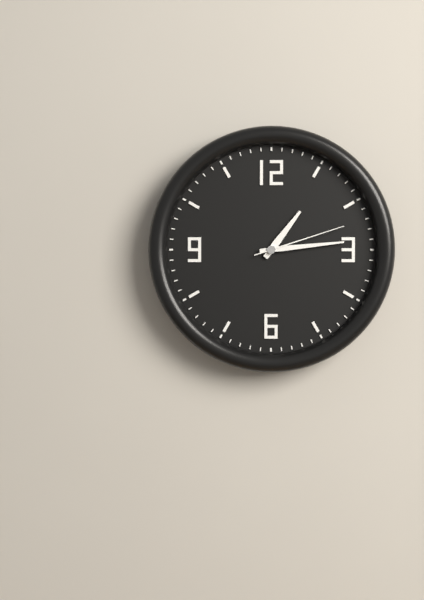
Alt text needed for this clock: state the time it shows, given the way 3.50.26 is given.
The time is 1.14.12
